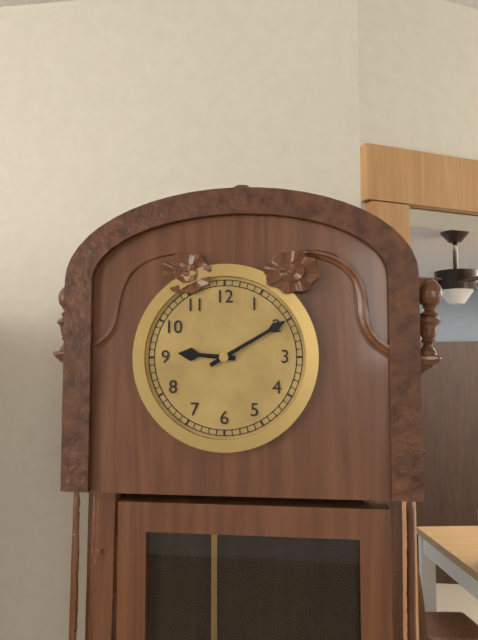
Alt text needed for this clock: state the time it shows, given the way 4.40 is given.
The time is 9.10
